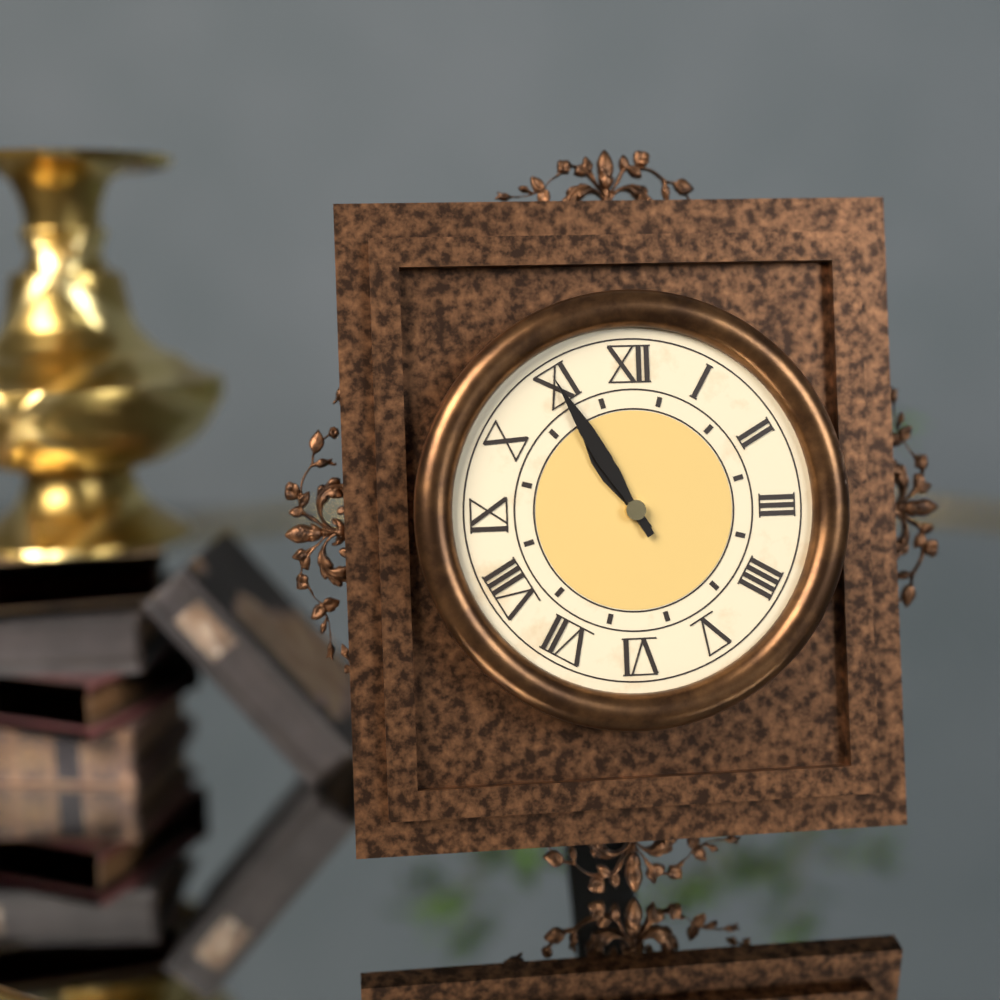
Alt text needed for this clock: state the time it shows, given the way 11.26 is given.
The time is 10.55
